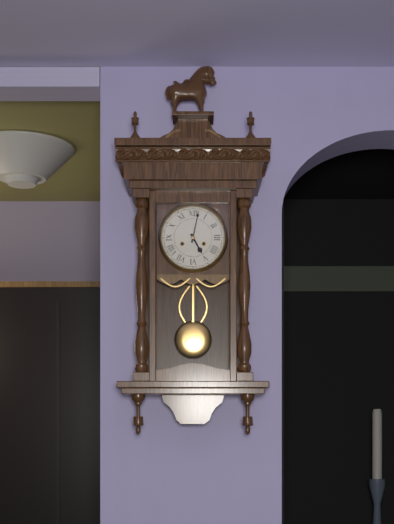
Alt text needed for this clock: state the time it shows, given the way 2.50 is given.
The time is 5.02
